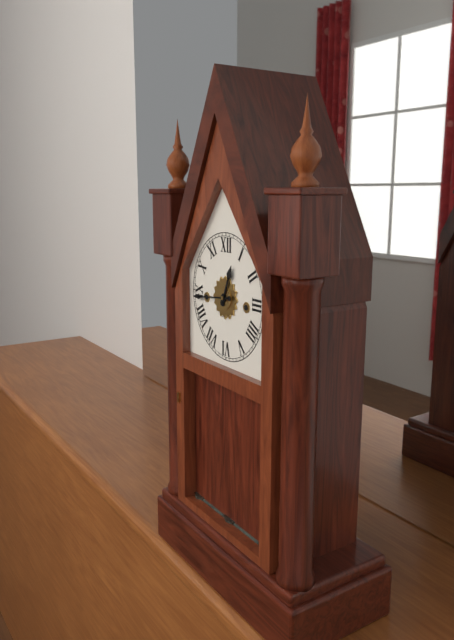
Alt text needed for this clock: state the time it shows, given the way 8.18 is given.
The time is 12.44
